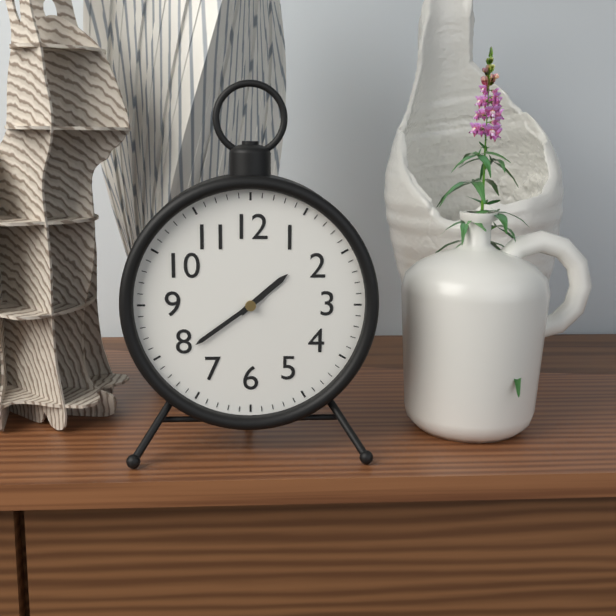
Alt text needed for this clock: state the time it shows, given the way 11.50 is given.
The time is 1.39
